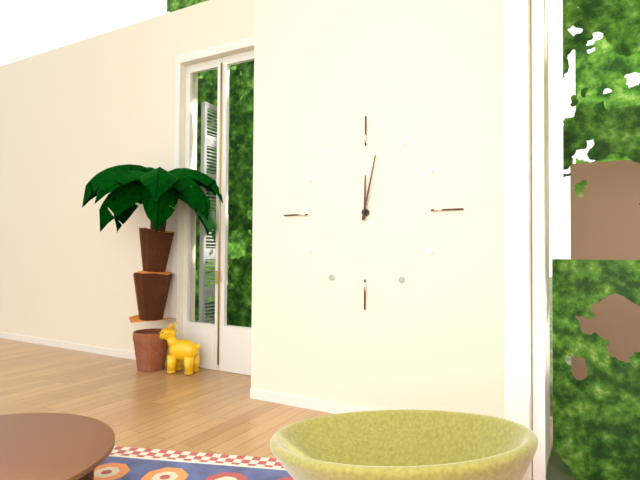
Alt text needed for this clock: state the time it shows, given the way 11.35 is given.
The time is 12.02
